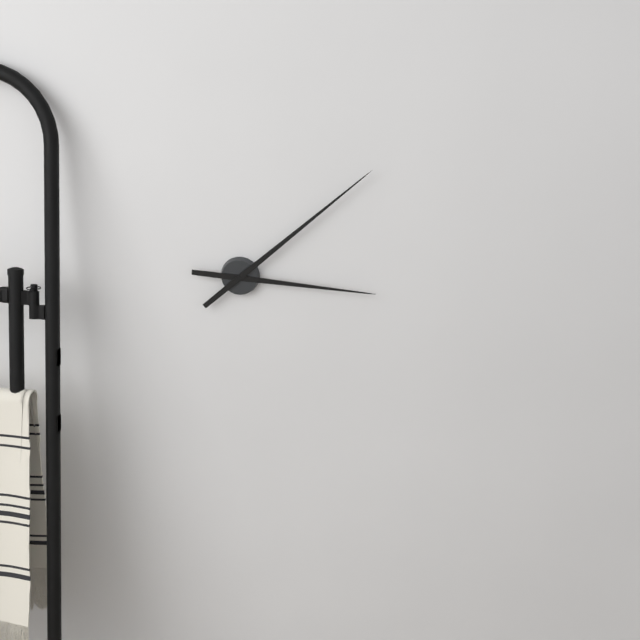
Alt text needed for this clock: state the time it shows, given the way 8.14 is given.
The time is 3.08
